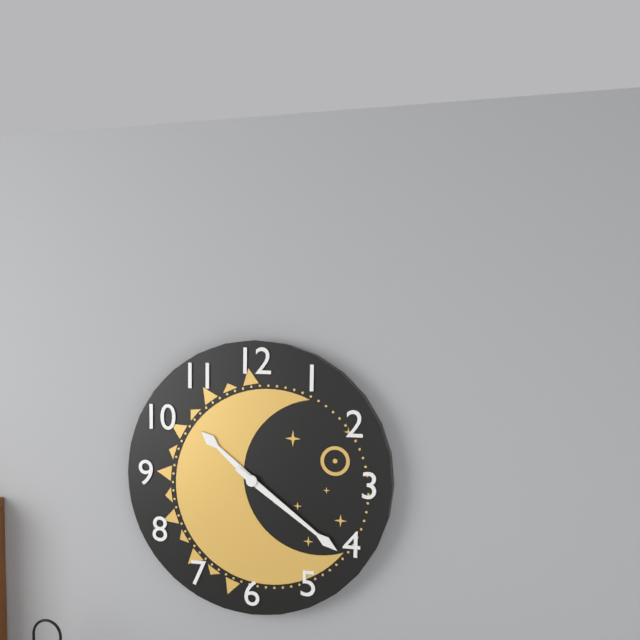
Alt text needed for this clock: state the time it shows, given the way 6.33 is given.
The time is 10.21
